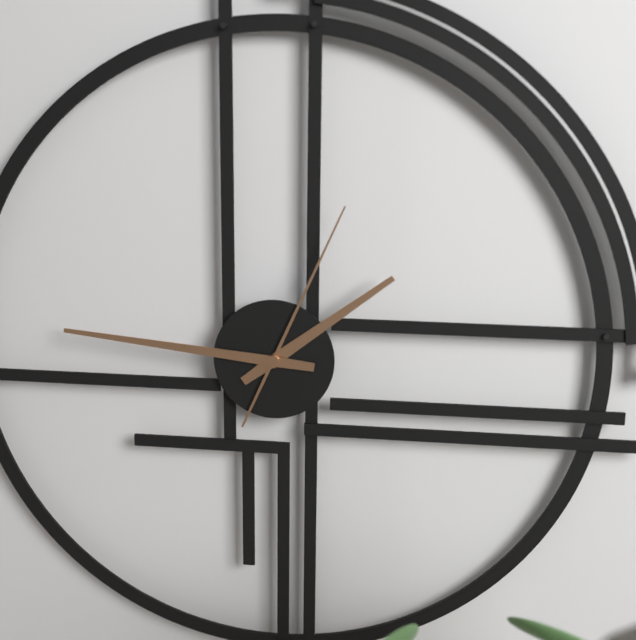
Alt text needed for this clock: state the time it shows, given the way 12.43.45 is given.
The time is 1.46.04
